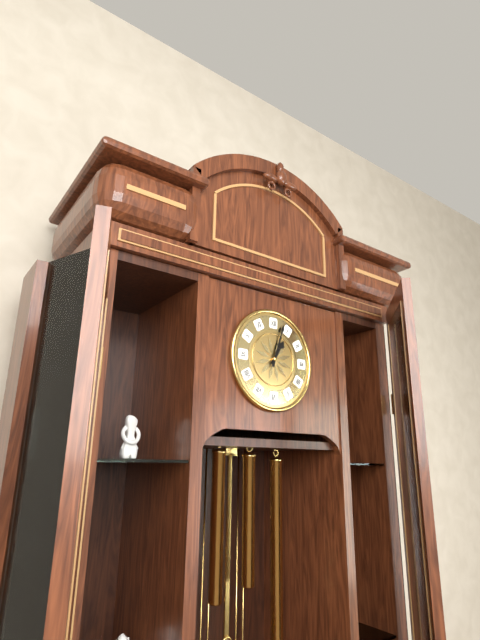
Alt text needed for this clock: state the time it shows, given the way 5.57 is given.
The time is 1.03
